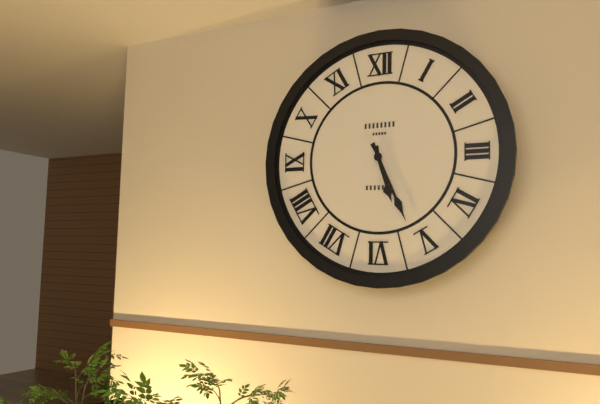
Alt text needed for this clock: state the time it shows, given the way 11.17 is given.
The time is 5.26
